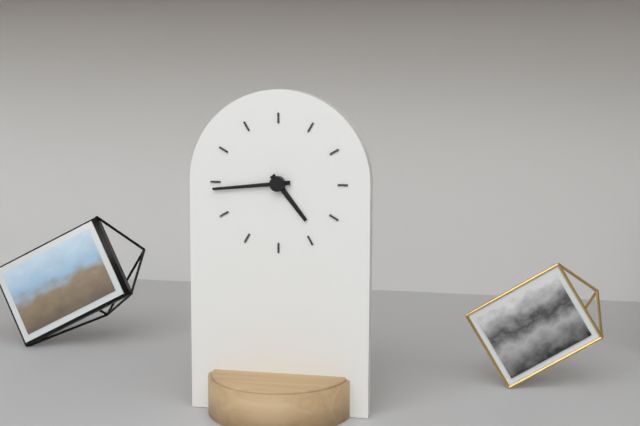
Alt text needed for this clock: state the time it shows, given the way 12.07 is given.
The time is 4.44
